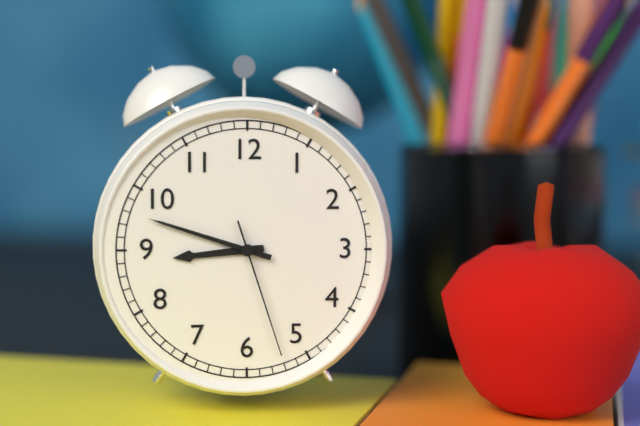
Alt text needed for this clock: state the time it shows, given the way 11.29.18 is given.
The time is 8.48.27
